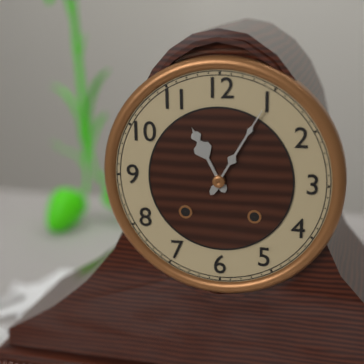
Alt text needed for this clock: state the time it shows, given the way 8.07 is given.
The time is 11.05
